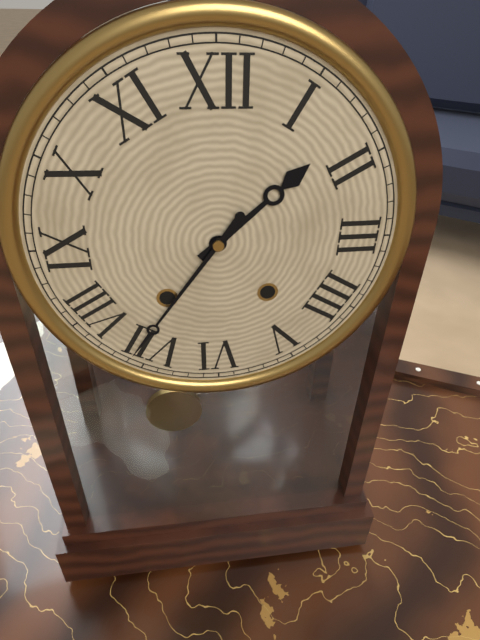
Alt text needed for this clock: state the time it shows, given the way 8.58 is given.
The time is 1.36
